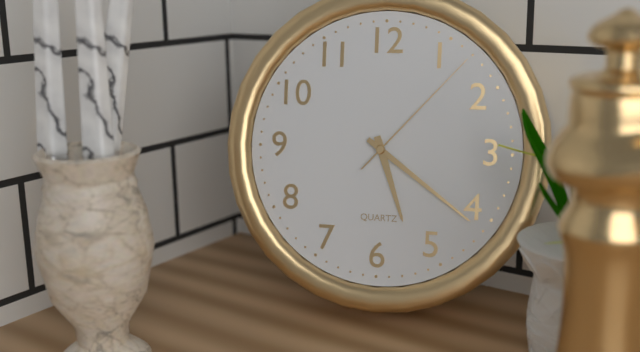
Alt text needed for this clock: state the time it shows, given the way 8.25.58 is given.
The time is 5.21.07
